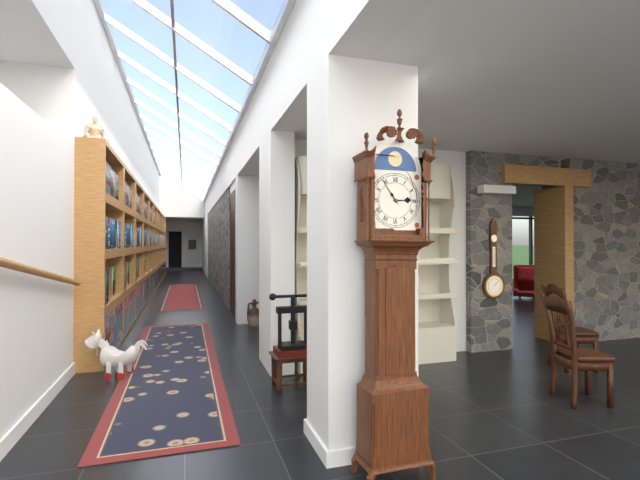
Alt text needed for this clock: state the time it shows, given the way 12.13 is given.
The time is 2.54
